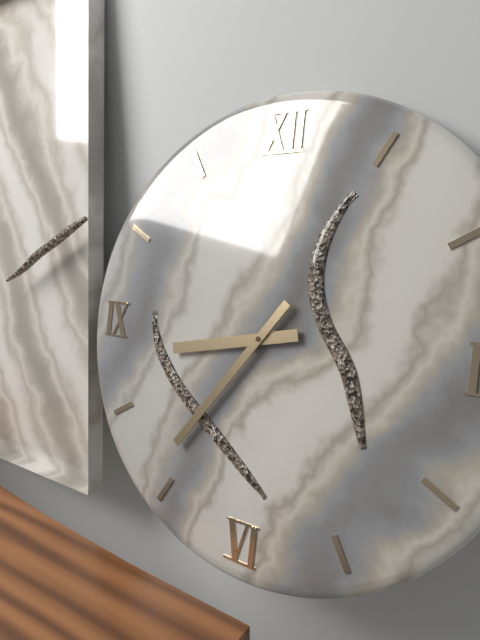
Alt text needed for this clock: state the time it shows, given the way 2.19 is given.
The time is 8.36
